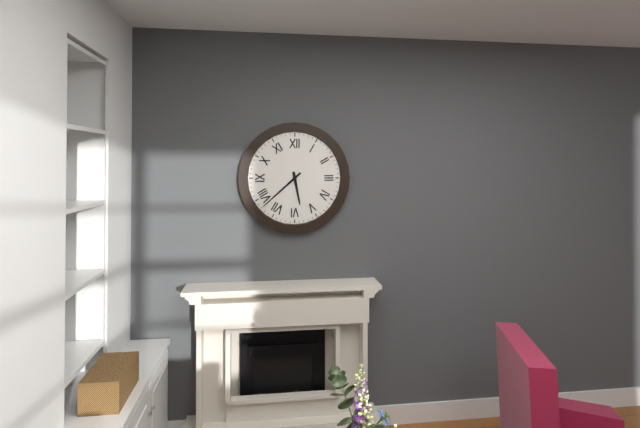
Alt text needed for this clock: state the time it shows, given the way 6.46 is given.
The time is 5.38
